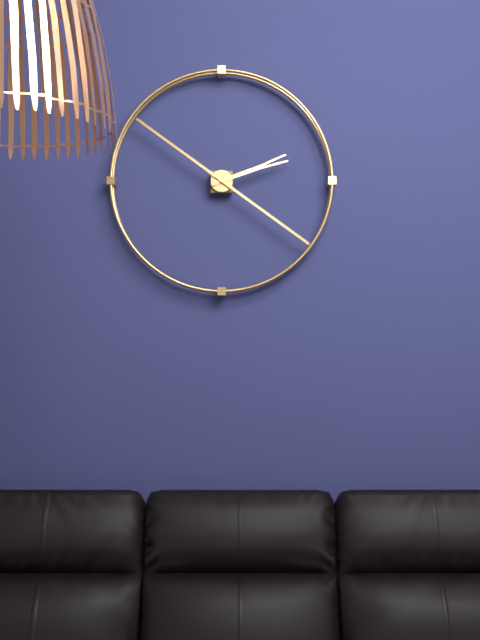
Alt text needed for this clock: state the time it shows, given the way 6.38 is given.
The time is 2.21
